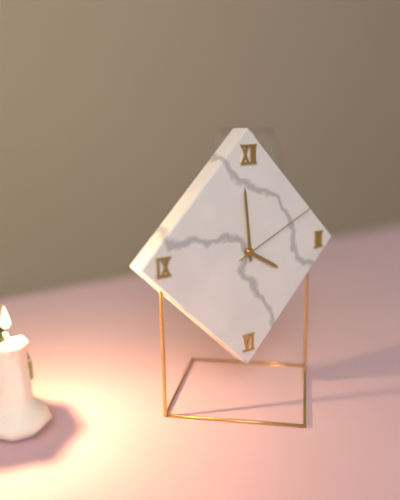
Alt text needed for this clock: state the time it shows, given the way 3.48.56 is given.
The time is 3.59.11
